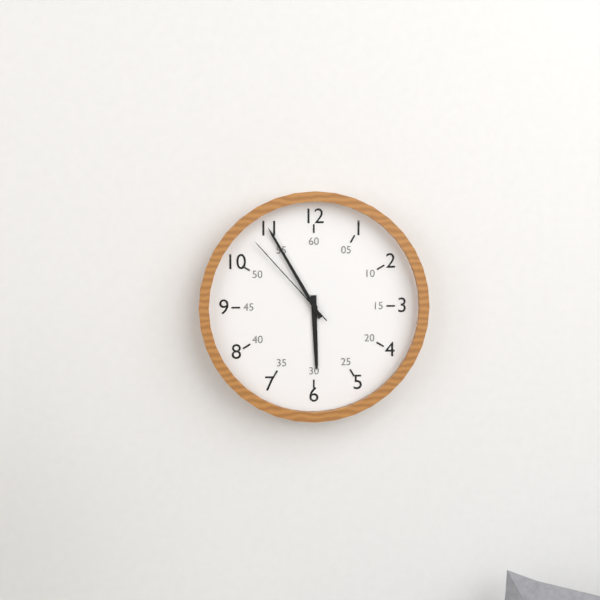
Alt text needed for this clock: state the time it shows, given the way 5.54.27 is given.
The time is 5.55.53
